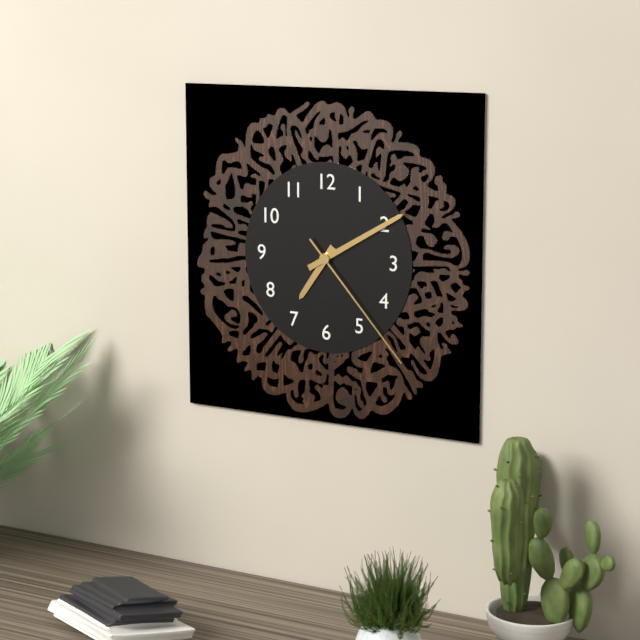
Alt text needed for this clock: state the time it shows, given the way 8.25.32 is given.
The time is 7.10.23
